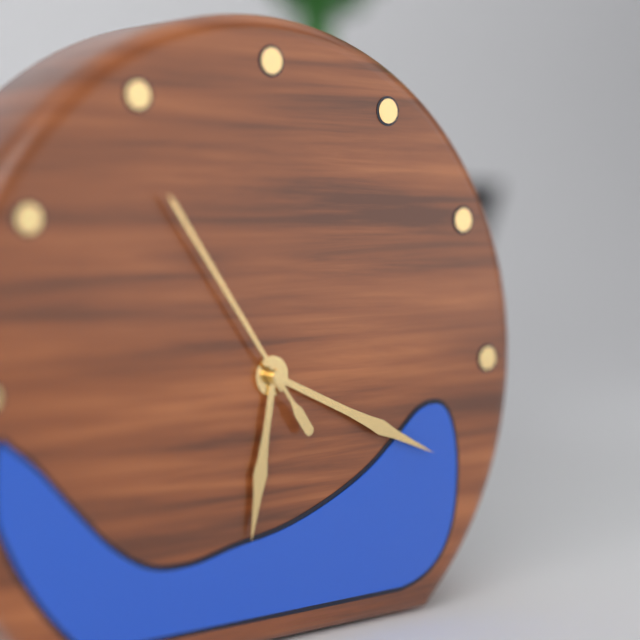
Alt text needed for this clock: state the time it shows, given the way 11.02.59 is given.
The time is 6.19.54
